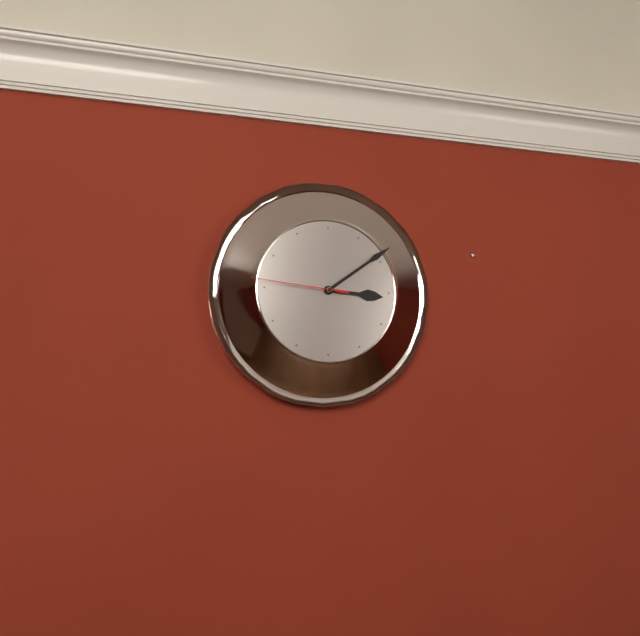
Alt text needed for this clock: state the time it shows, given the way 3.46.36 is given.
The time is 3.09.46
